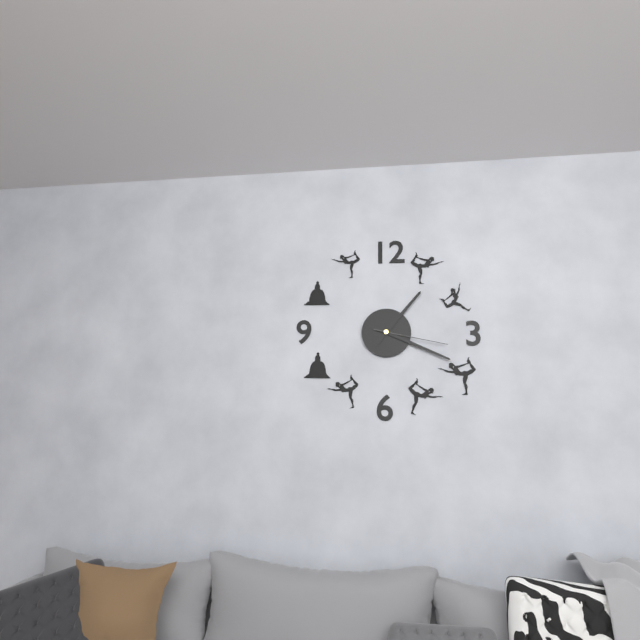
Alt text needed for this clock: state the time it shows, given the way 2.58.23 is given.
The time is 1.19.17
